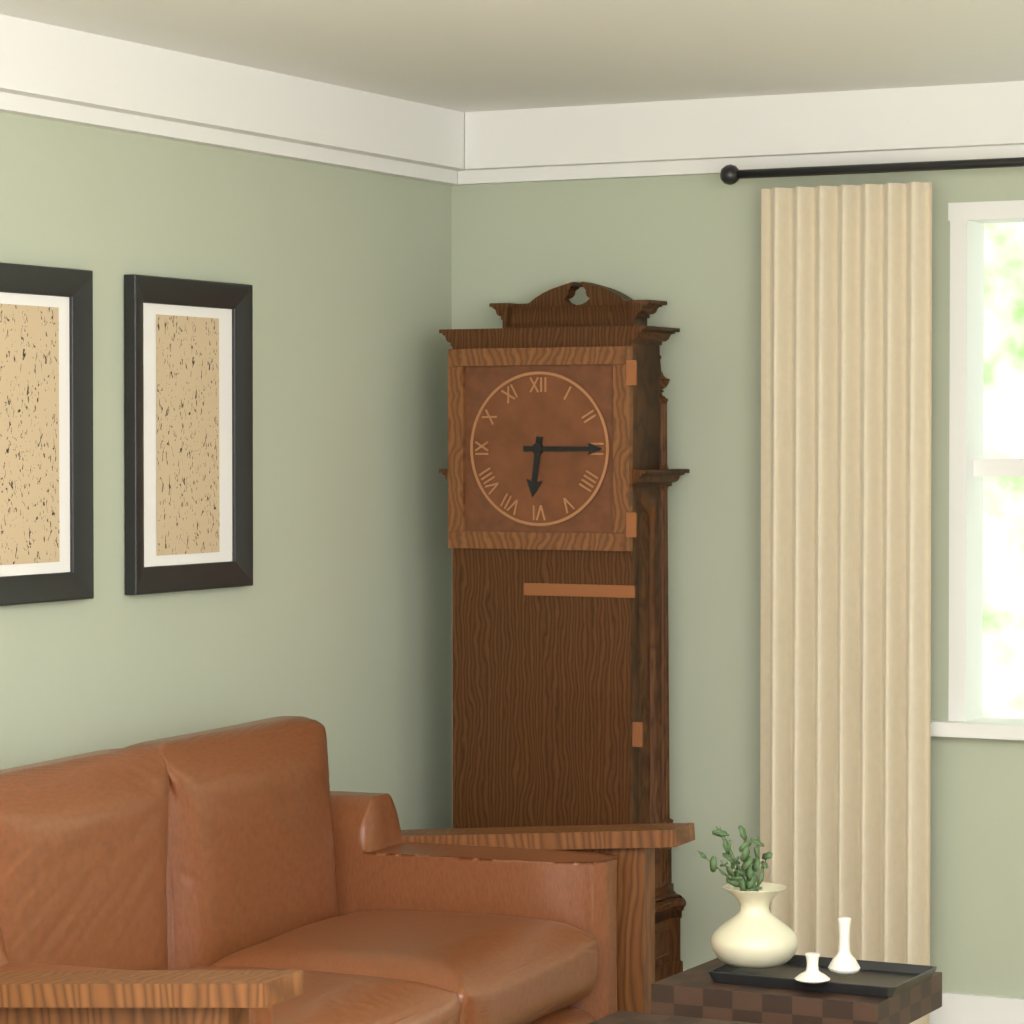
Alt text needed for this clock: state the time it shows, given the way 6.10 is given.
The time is 6.15
